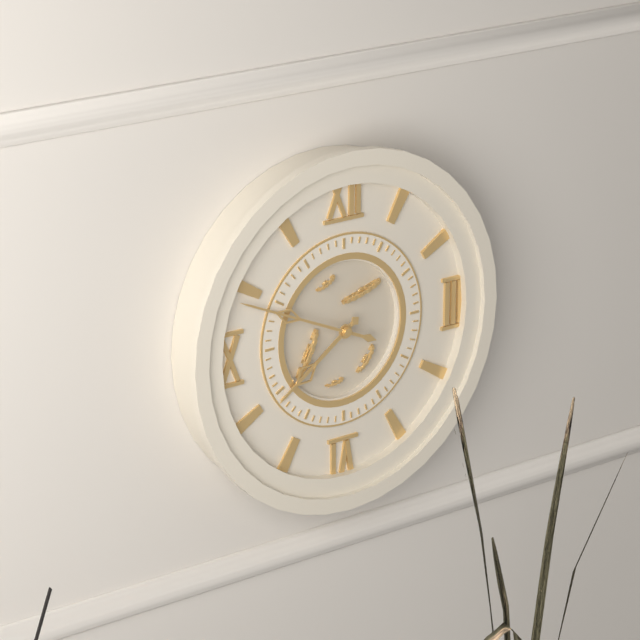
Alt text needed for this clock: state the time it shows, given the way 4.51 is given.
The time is 7.49
